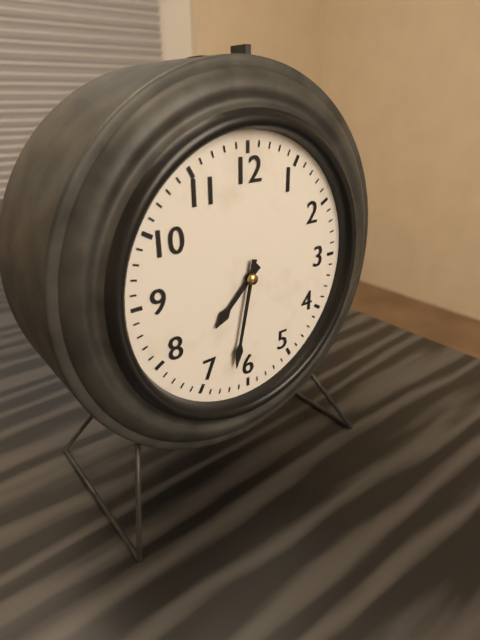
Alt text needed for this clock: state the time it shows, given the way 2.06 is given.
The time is 7.32
